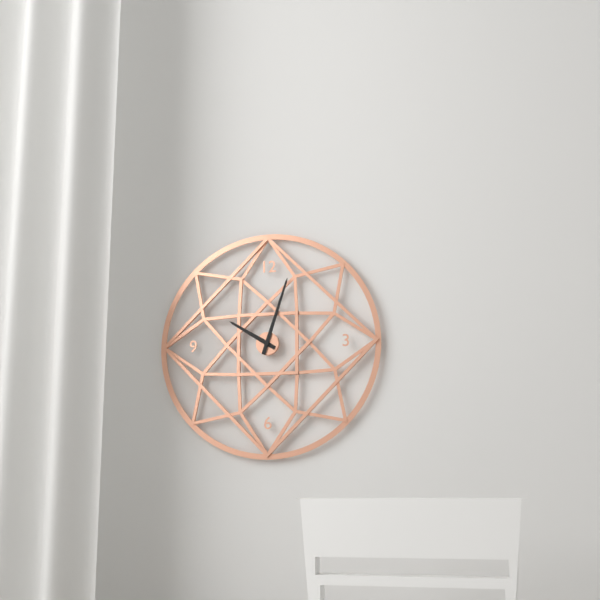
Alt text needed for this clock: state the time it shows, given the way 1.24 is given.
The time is 10.03
